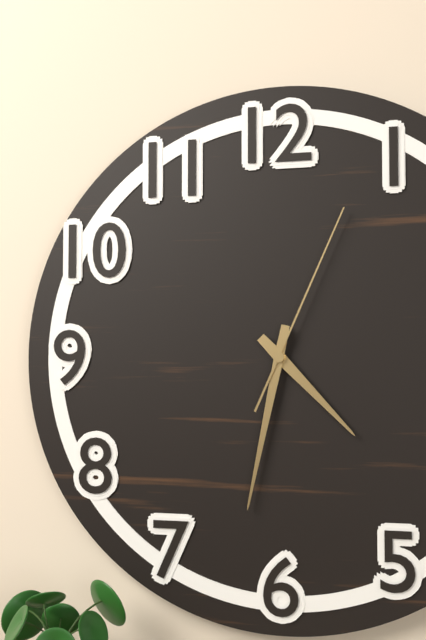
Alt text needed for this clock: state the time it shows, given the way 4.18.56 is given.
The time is 4.32.04
